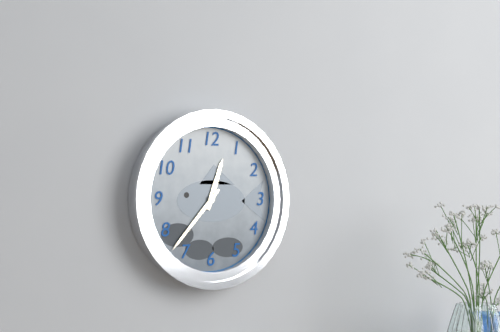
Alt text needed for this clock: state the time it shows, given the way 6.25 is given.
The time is 12.37
